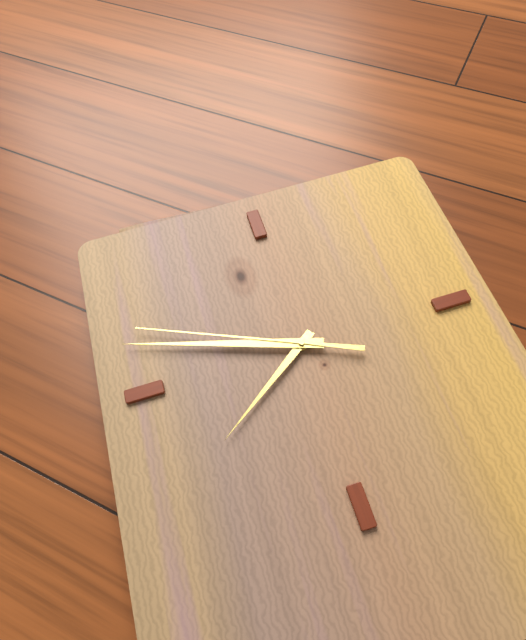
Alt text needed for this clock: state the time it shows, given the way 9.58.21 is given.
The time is 7.48.49
